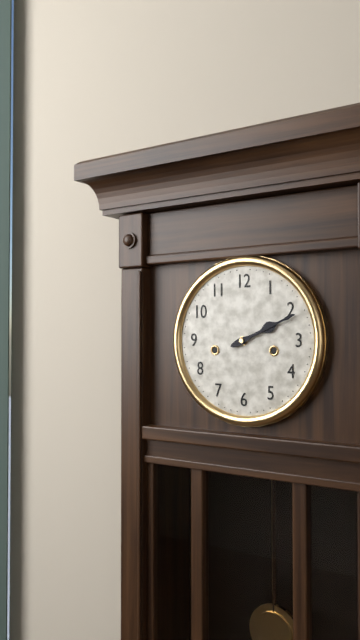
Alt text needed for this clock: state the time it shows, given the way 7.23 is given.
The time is 2.11
